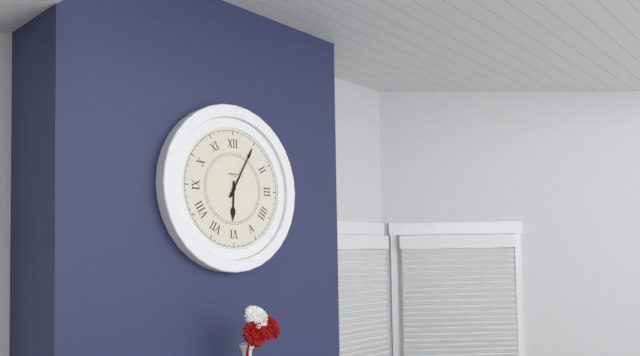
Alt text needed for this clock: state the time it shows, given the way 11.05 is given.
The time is 6.05
